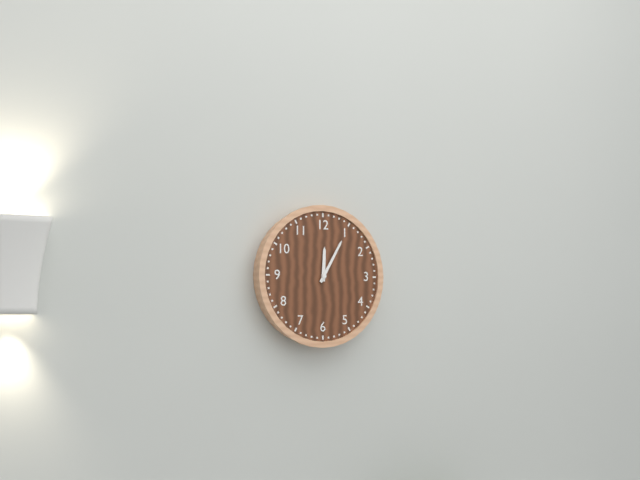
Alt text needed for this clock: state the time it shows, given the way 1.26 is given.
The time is 12.05
